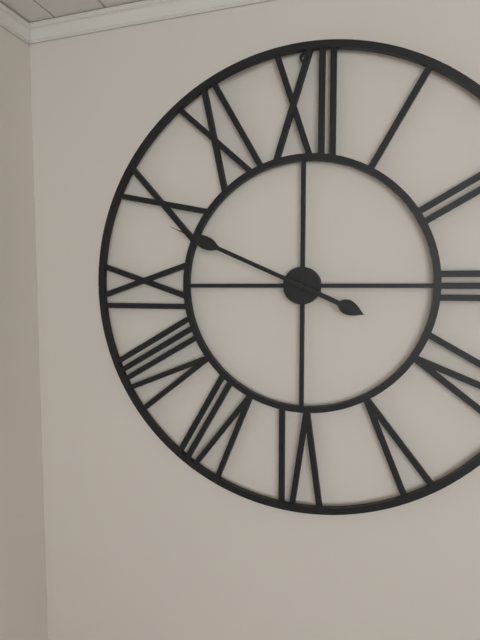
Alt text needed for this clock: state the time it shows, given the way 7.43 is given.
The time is 3.49
